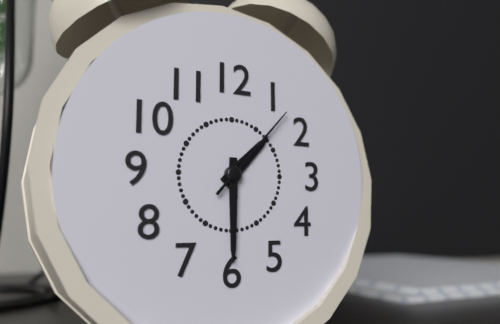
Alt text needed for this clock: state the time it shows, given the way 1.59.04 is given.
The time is 1.30.07
